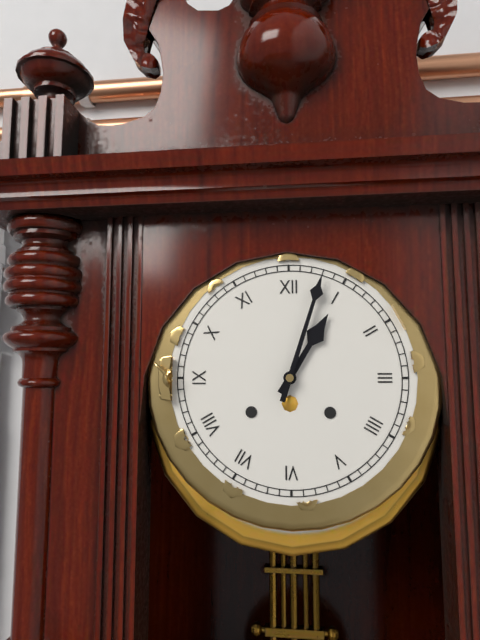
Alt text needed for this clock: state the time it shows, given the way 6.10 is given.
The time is 1.03
